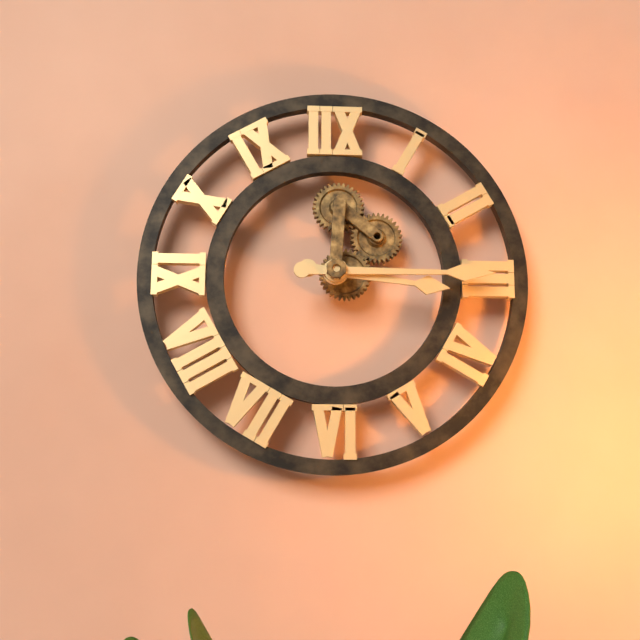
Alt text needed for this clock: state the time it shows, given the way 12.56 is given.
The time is 3.15
